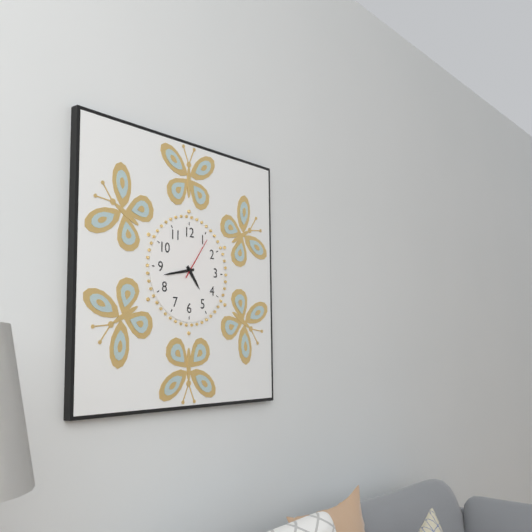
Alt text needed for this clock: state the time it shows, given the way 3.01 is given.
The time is 4.43
